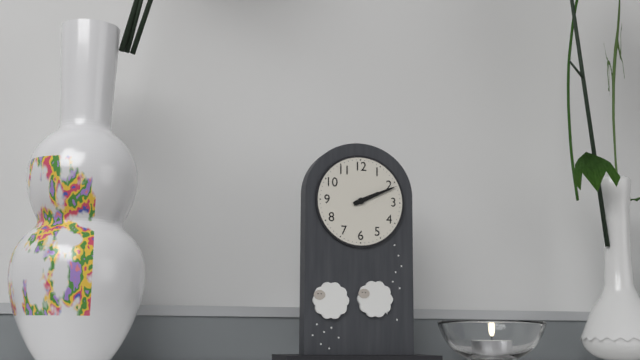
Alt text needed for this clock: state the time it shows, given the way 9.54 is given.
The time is 2.11
